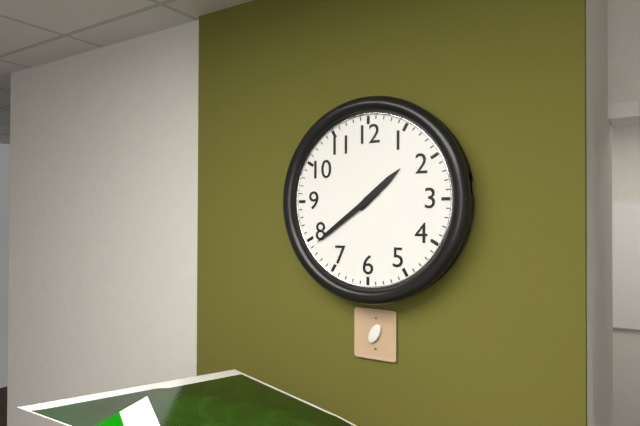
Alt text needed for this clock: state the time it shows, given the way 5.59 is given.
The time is 1.39
